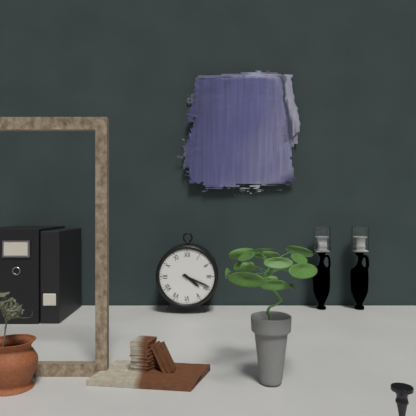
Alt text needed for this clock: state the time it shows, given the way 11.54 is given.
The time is 4.19
